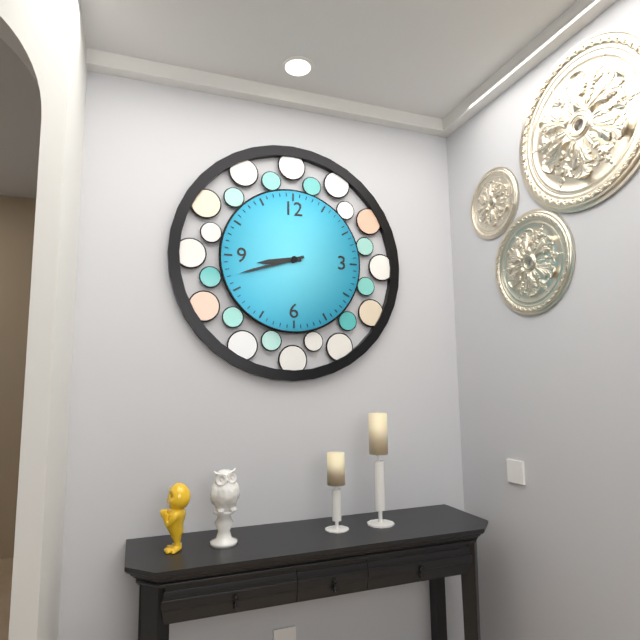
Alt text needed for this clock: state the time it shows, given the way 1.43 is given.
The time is 8.42
